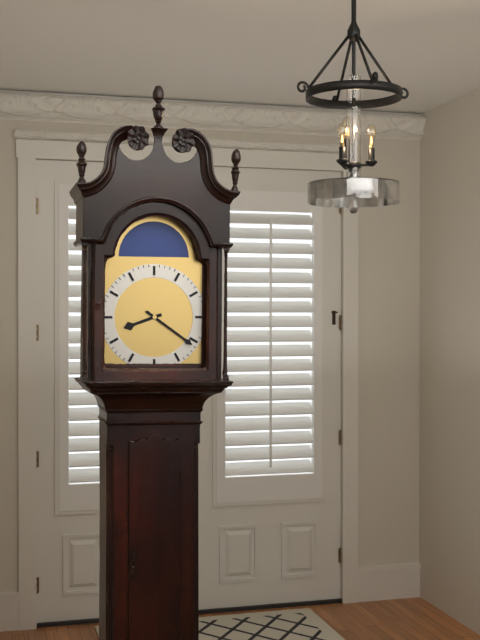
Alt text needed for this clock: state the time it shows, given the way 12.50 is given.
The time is 8.21
